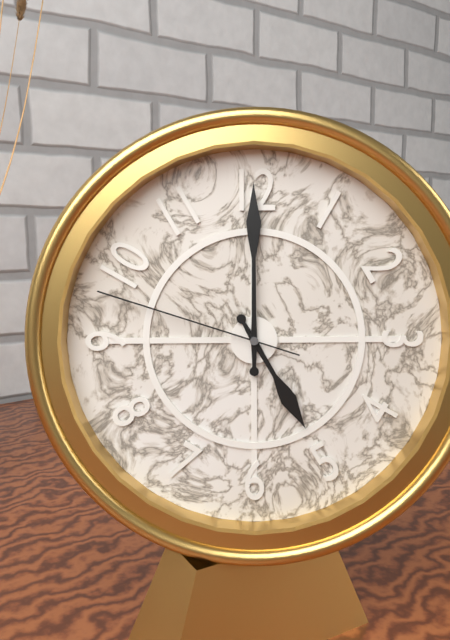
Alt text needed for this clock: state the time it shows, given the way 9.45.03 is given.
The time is 5.00.48
